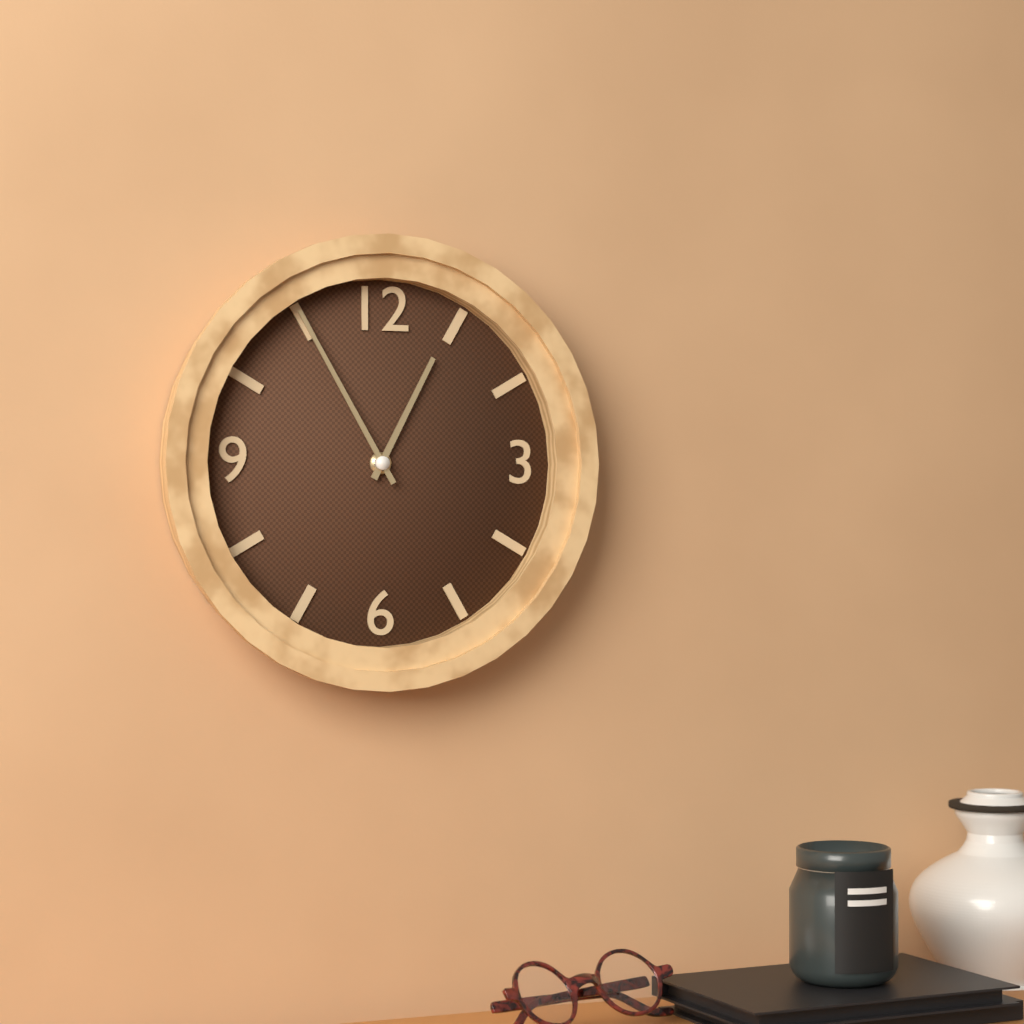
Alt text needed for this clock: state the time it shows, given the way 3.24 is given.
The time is 12.55
